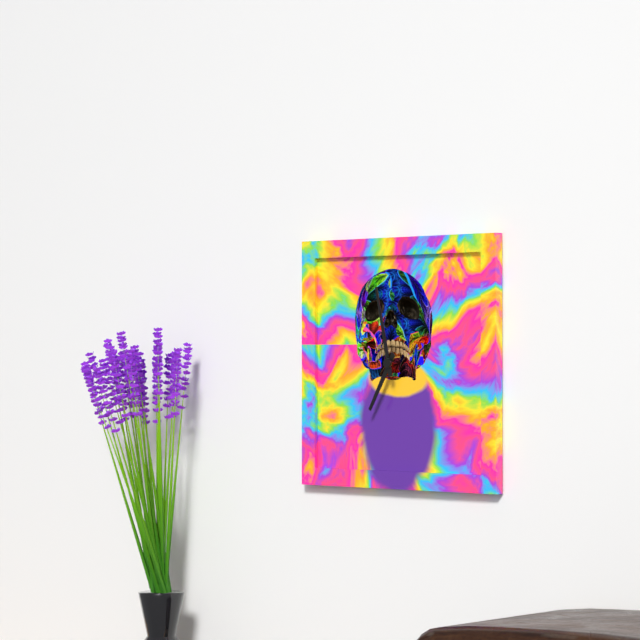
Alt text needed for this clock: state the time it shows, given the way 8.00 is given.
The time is 6.58
